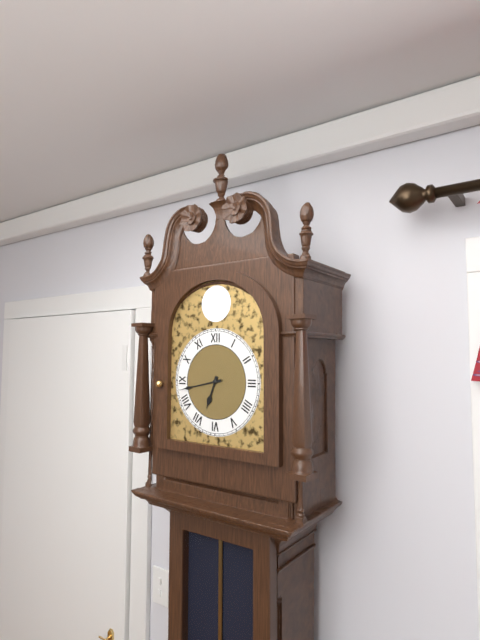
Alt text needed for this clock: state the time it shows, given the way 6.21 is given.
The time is 6.43
